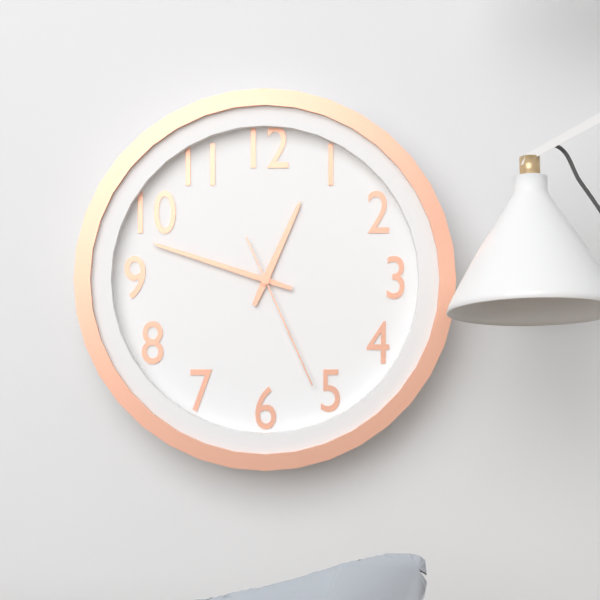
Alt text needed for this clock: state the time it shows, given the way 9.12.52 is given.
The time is 12.48.26
